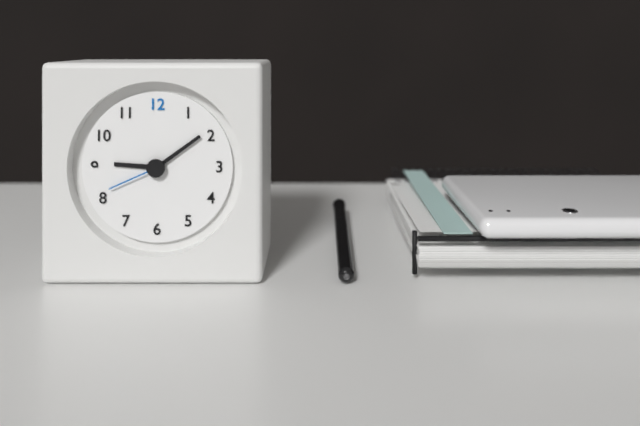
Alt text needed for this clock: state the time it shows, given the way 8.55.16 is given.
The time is 9.09.41
